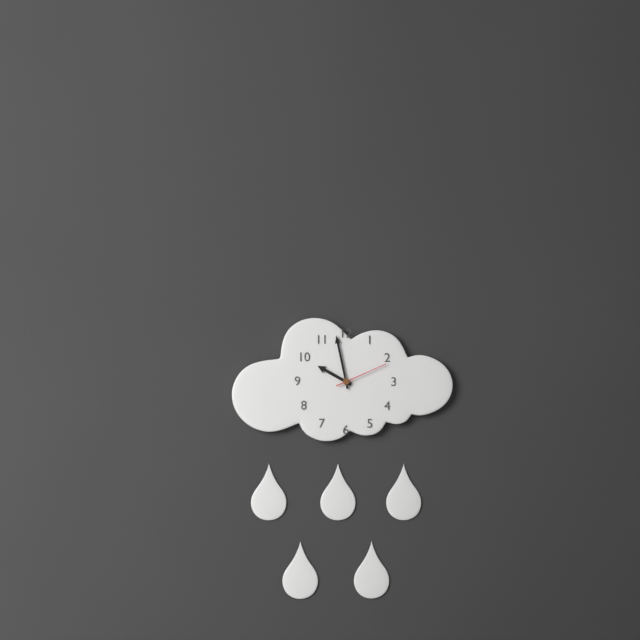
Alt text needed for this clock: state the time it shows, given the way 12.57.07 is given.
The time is 9.58.11
